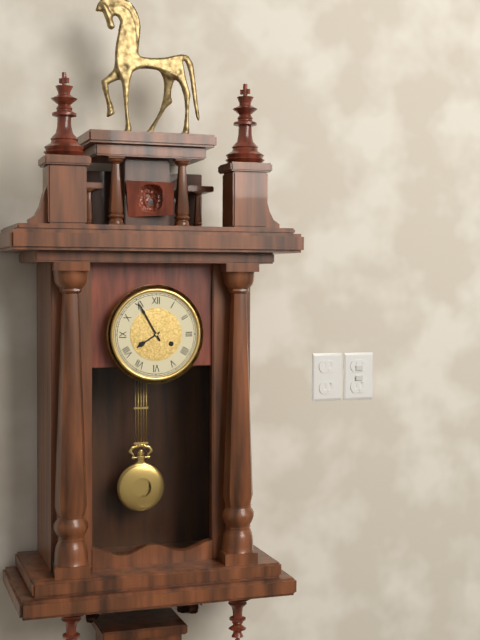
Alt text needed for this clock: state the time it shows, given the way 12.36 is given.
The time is 7.55
